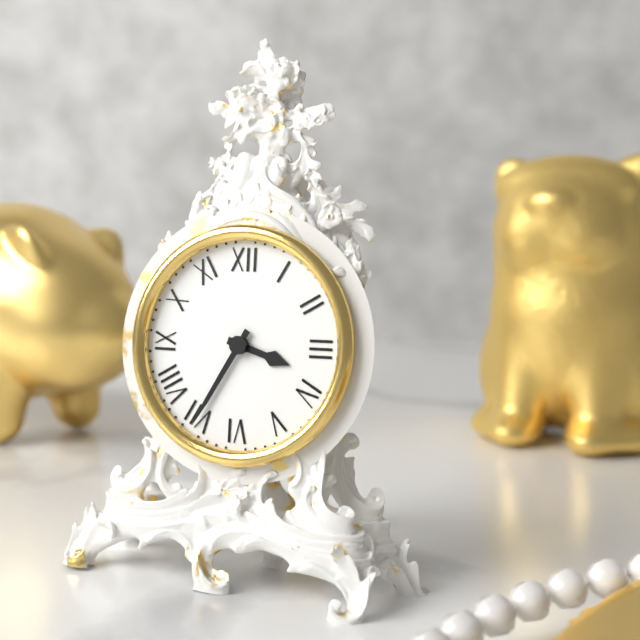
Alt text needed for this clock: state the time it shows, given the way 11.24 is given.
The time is 3.35
